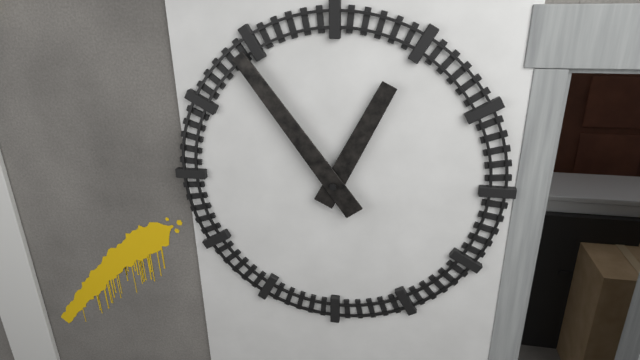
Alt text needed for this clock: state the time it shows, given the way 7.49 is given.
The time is 12.54
